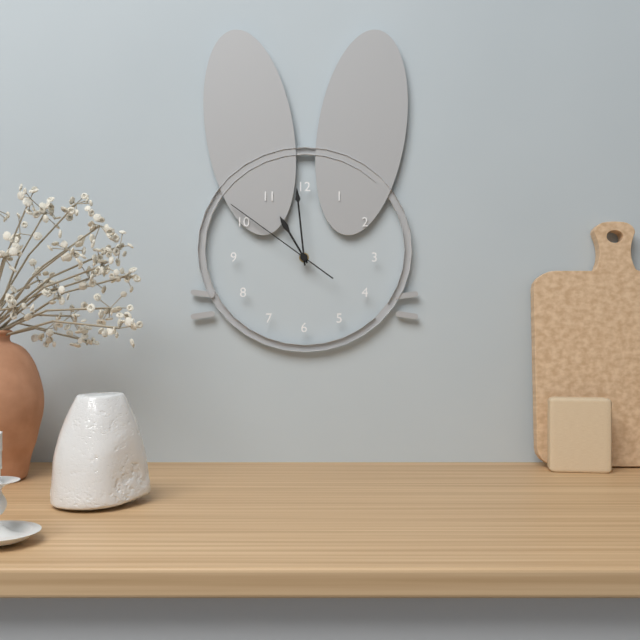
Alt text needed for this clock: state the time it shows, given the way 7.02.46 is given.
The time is 10.59.51
